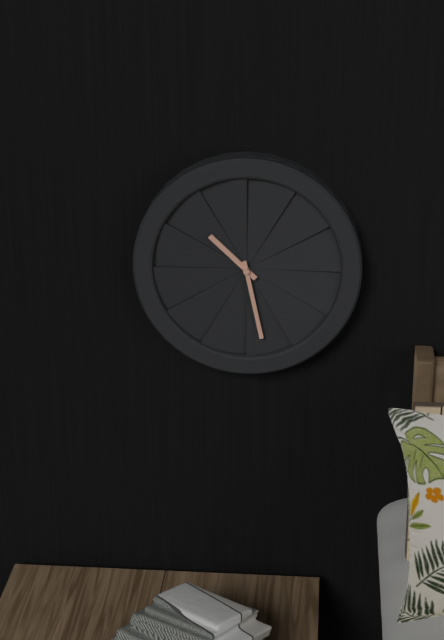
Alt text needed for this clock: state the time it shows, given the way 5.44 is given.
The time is 10.28
